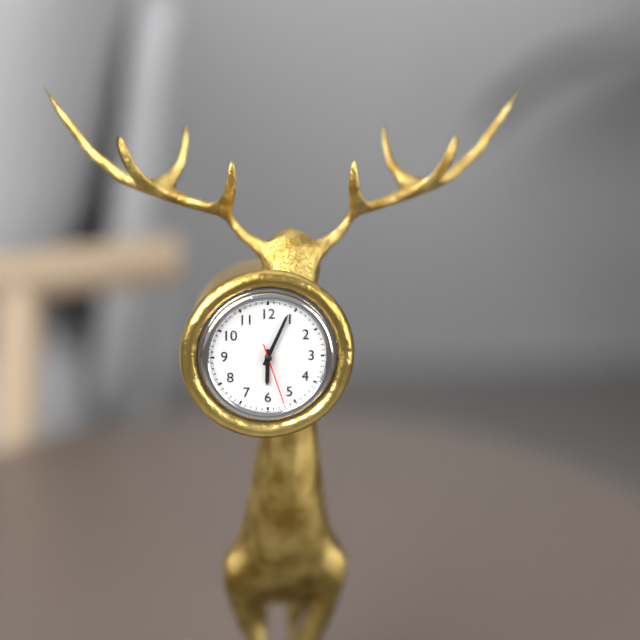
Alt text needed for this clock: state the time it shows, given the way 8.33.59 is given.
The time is 6.04.27
